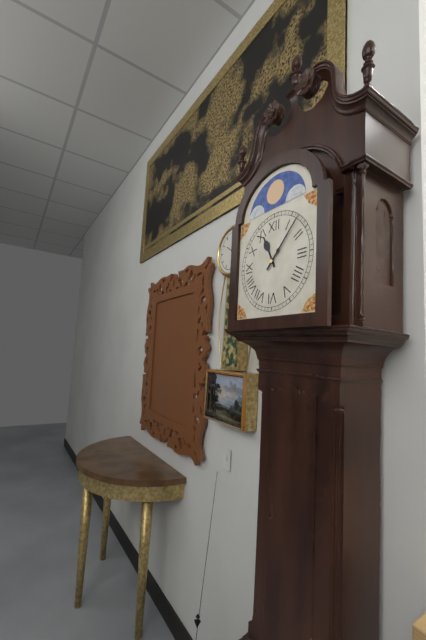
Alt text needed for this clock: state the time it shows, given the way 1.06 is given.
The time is 11.07
